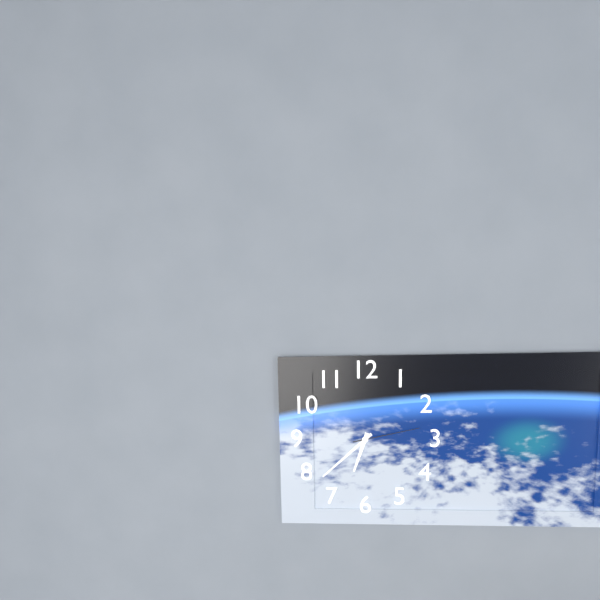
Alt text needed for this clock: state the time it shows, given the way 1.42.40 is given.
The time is 6.38.13
